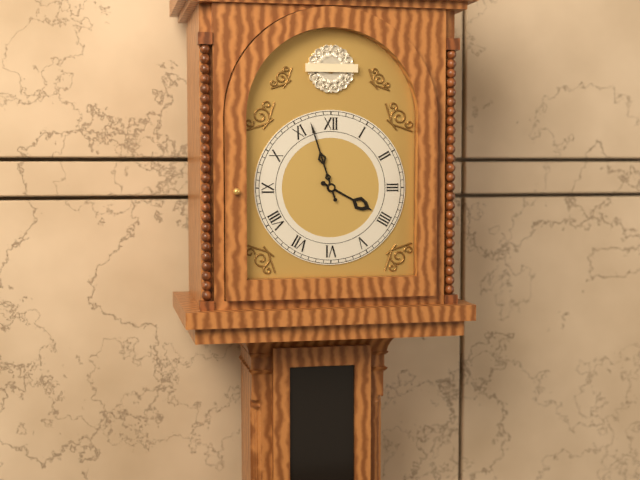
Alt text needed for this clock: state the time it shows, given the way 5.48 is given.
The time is 3.57
